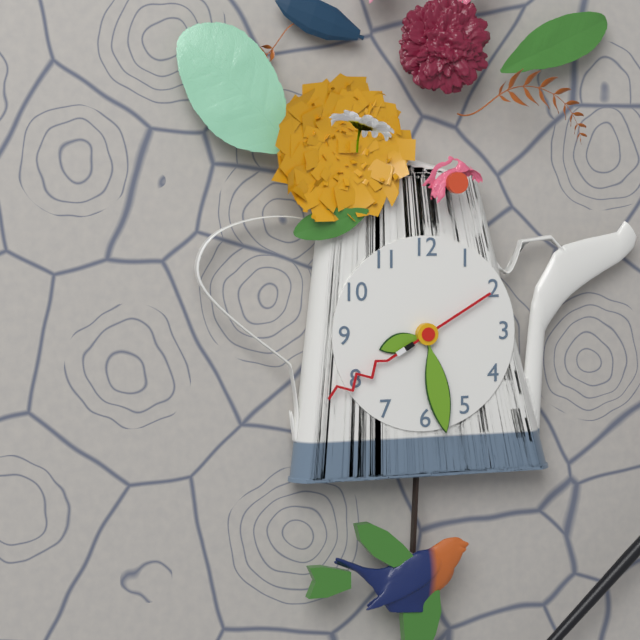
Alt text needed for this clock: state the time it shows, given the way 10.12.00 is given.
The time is 8.28.40
